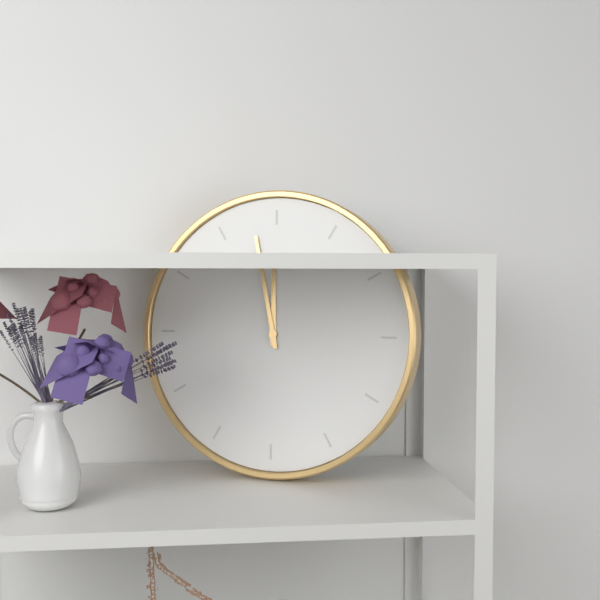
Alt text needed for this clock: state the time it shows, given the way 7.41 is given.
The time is 11.58
